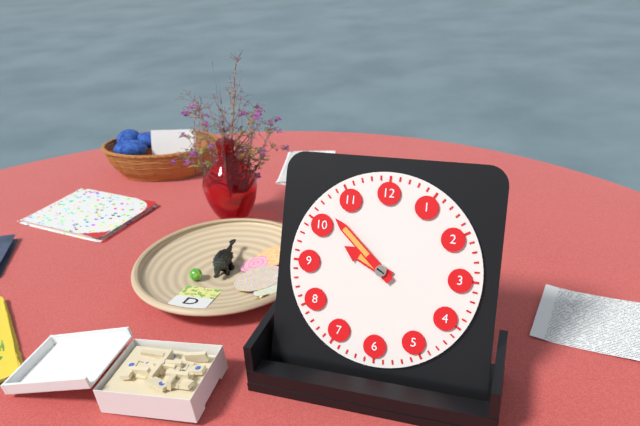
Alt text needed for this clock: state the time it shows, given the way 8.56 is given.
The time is 9.52
